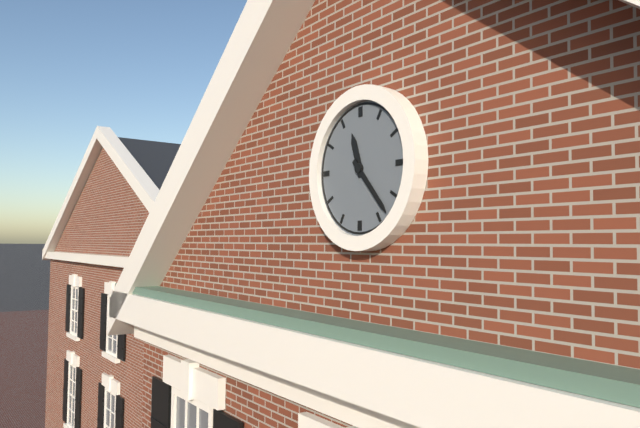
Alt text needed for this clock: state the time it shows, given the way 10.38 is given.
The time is 11.23
